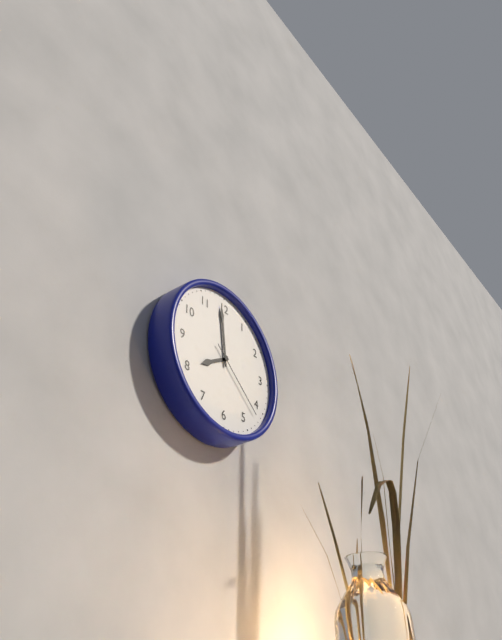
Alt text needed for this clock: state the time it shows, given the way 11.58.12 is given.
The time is 7.59.22
